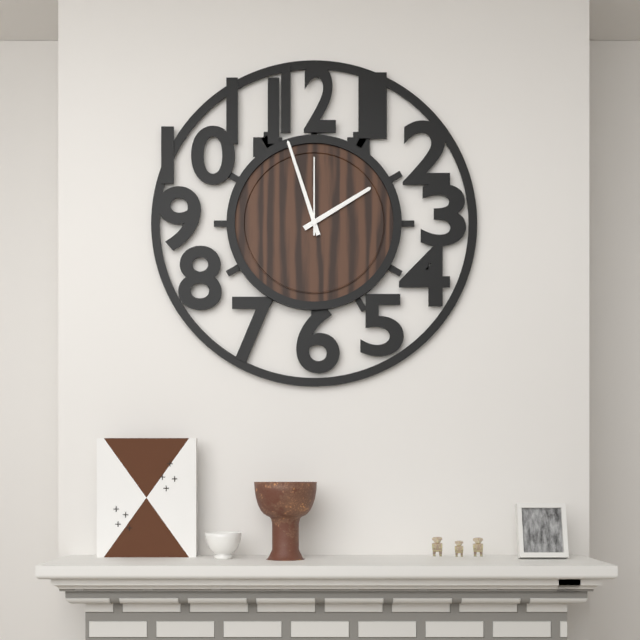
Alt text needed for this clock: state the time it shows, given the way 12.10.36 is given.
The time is 1.57.00
